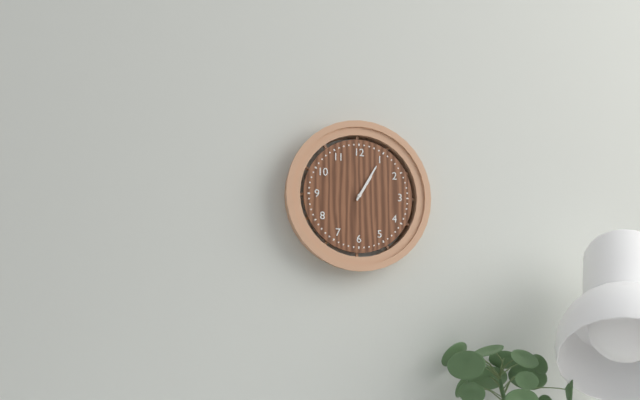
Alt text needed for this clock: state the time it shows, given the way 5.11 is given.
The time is 1.05
